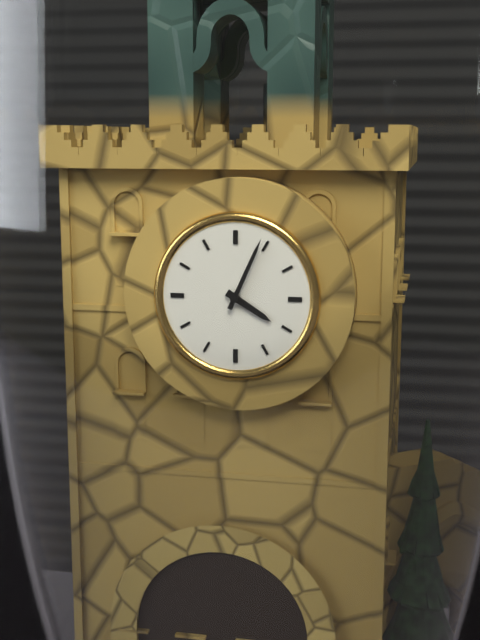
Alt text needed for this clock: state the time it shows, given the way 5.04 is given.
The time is 4.04
